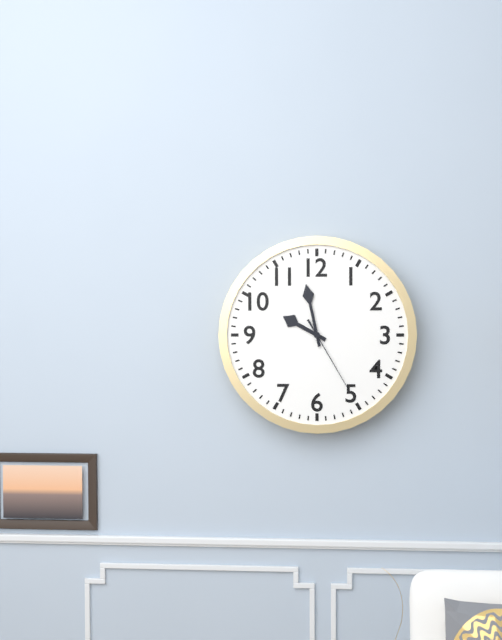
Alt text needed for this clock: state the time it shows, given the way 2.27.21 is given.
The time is 9.58.25
